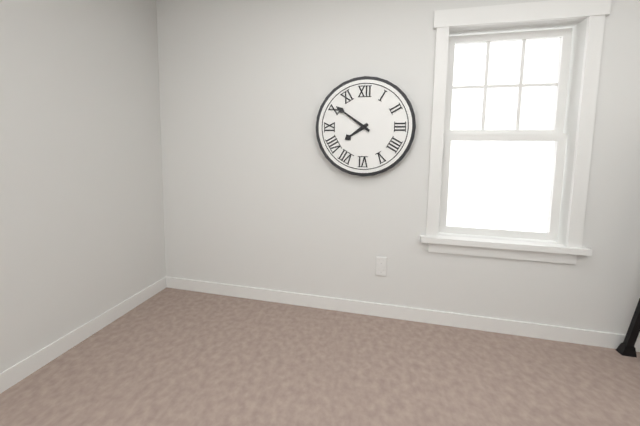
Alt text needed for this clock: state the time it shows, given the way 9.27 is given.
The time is 7.51
